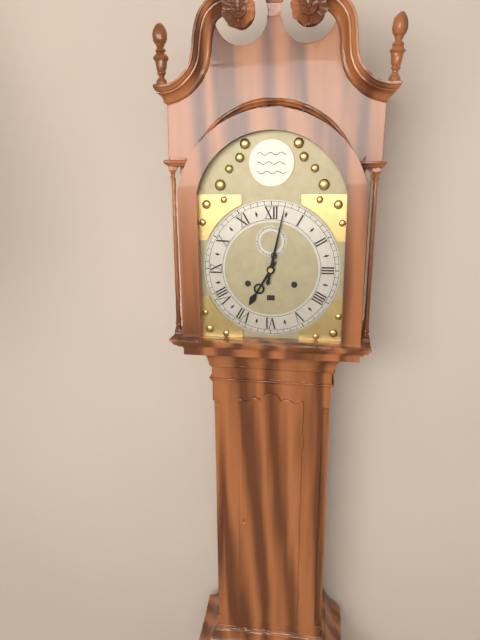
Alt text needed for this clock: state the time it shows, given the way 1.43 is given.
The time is 7.02
